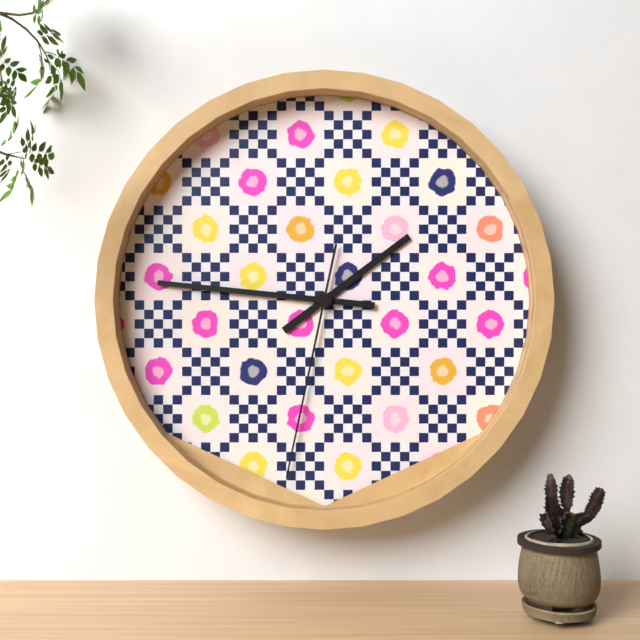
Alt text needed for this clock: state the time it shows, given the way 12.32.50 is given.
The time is 1.46.32
